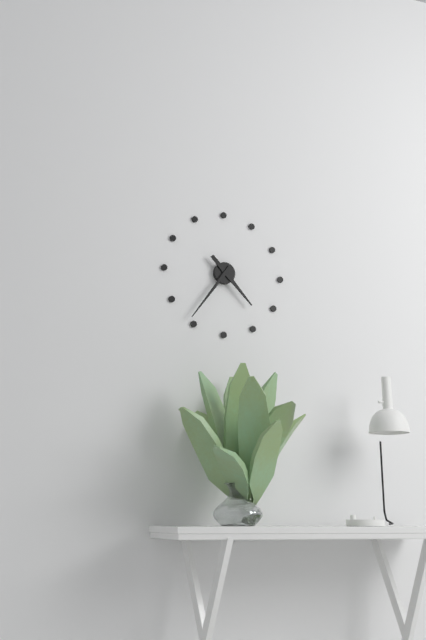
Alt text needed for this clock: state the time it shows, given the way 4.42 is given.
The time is 4.36
